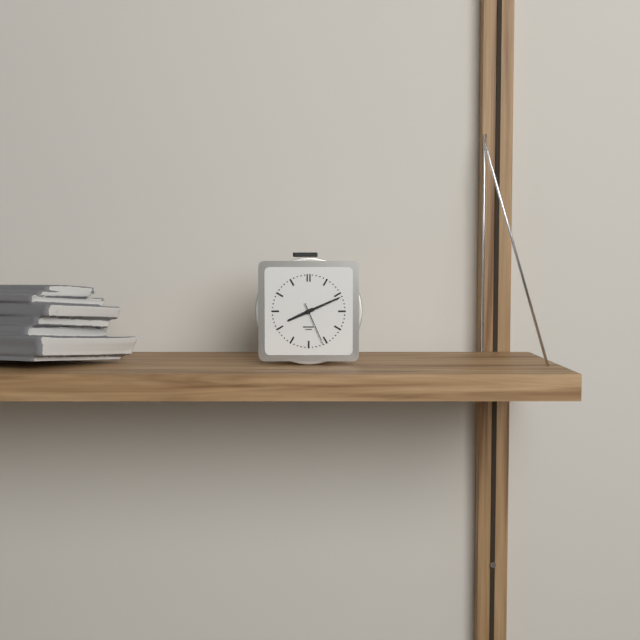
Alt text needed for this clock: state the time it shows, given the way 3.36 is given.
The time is 8.11
